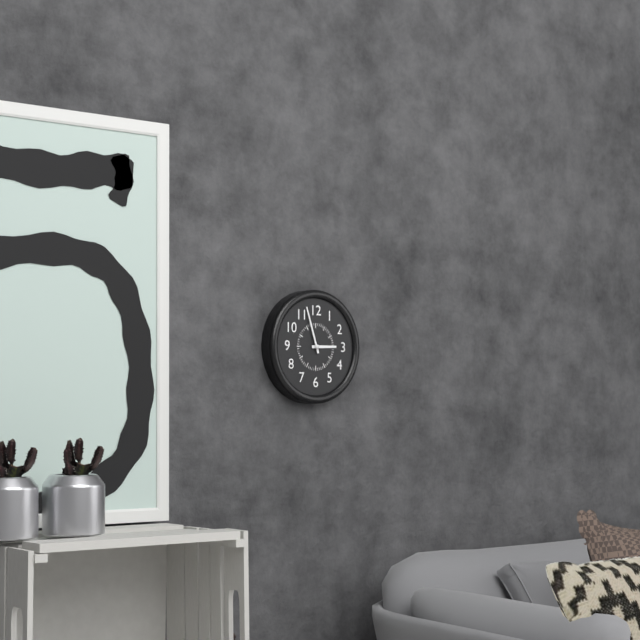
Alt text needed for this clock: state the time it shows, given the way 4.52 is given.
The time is 2.57
